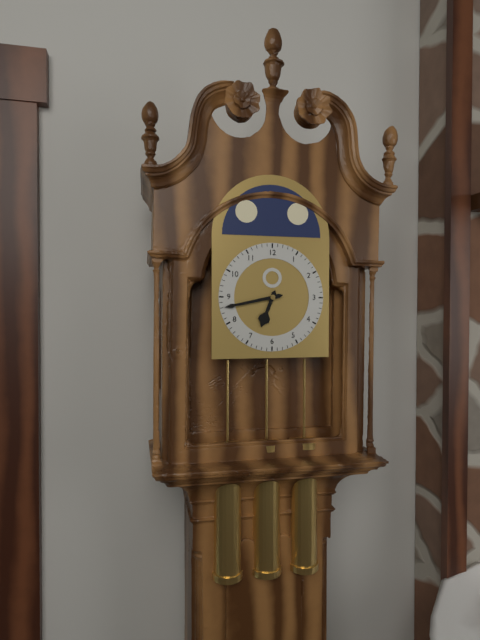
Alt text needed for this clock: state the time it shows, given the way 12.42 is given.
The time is 6.43
